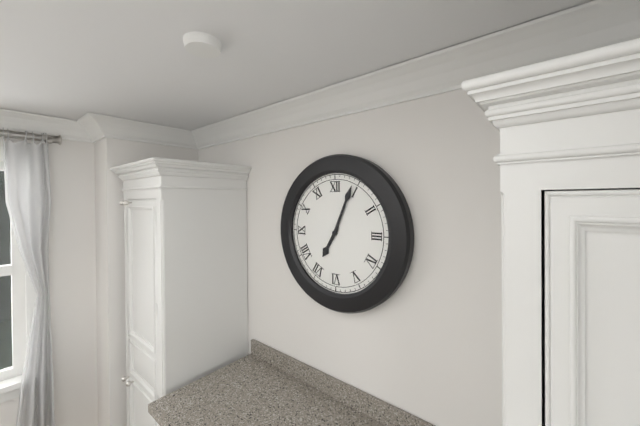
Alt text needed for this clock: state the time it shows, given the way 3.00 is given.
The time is 7.04
